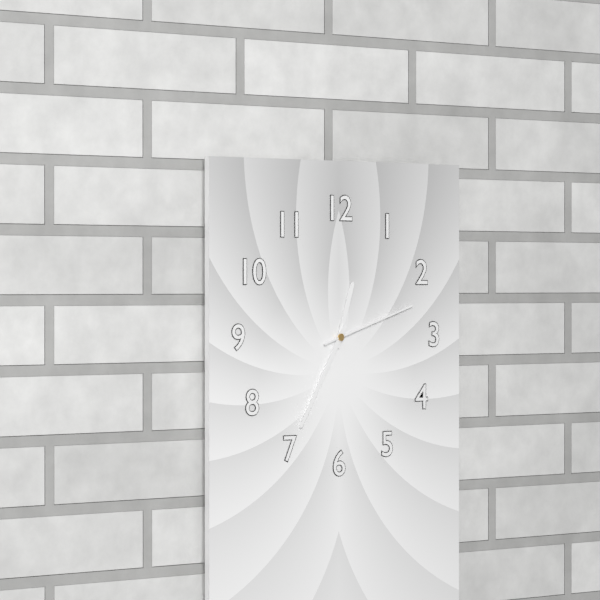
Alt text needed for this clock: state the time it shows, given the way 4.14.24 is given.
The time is 12.35.12
